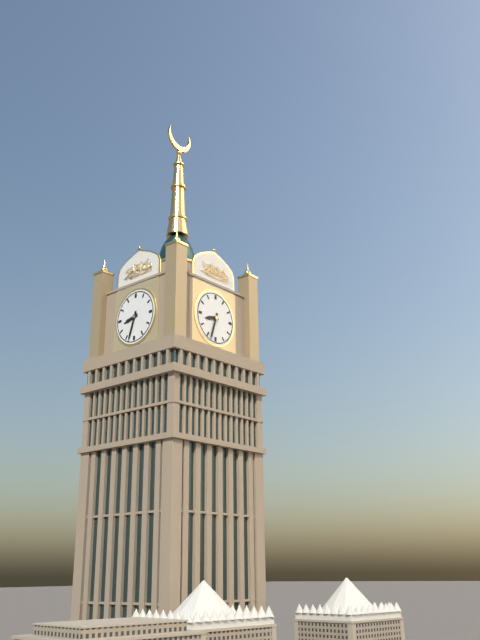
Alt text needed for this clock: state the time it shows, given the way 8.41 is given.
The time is 8.33
